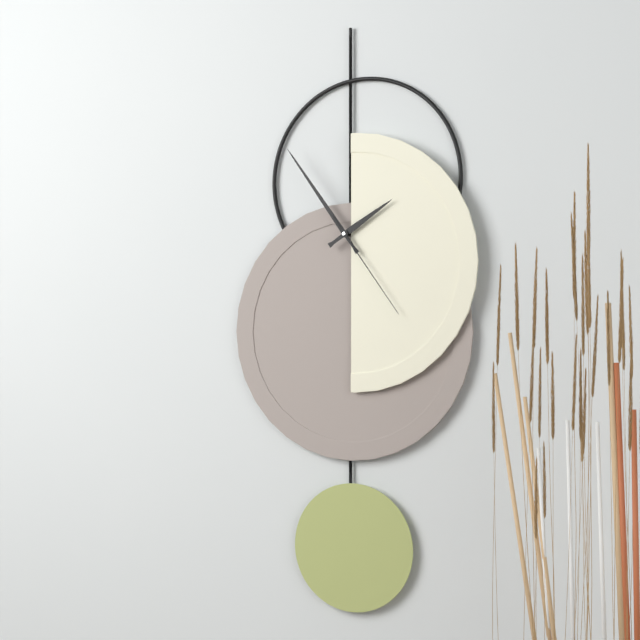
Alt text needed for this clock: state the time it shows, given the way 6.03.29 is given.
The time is 1.54.24
